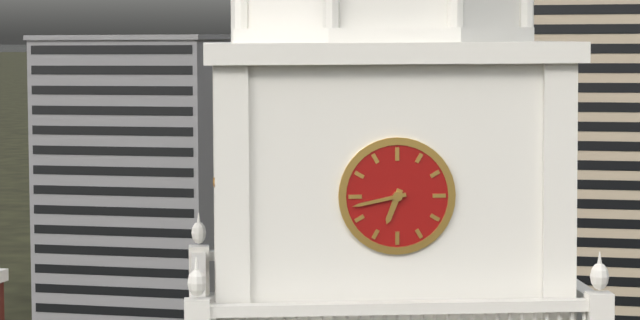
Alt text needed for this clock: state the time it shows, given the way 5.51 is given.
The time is 6.43
